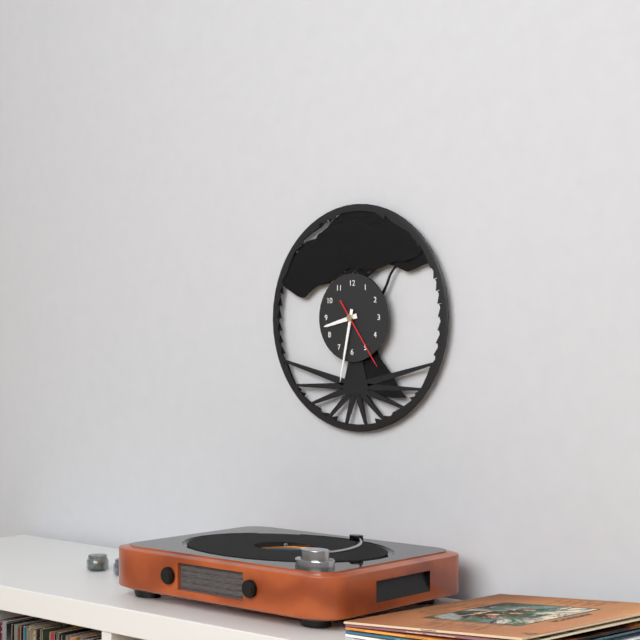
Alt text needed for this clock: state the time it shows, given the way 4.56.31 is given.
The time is 8.32.24
